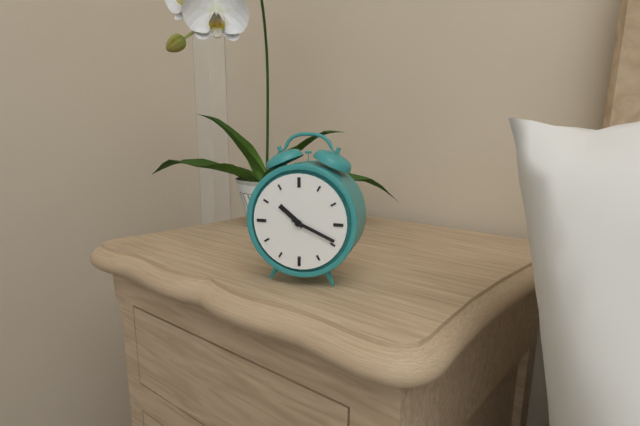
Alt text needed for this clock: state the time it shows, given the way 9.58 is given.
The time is 10.19
